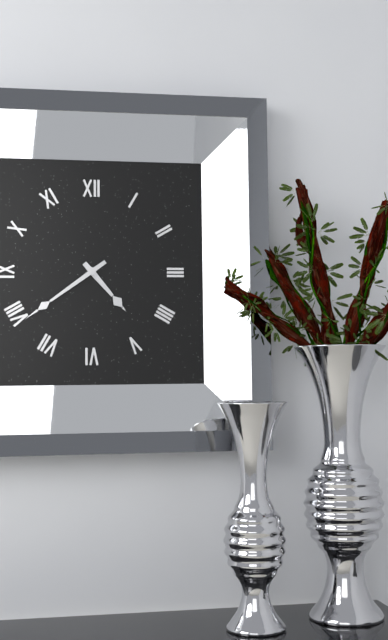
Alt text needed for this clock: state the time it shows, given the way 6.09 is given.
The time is 4.39
